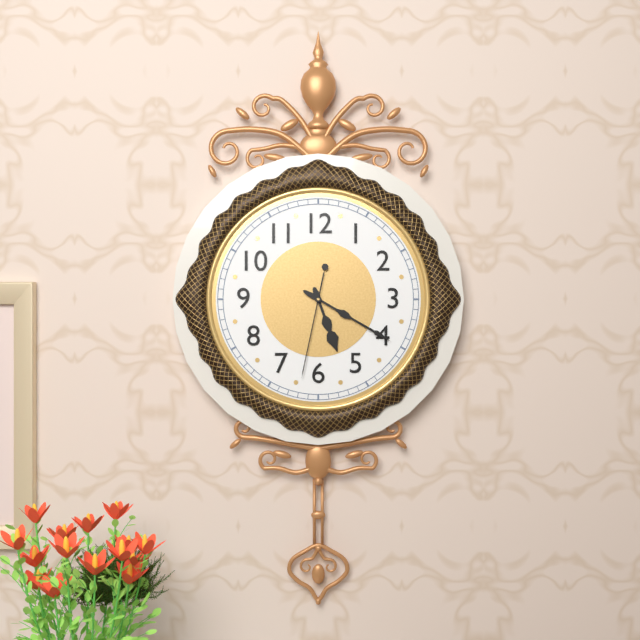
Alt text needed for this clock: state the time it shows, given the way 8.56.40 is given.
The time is 5.20.32
